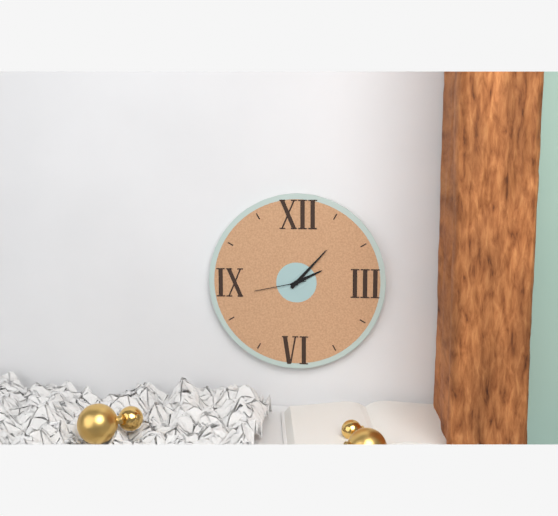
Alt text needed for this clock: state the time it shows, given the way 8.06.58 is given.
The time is 2.07.43
